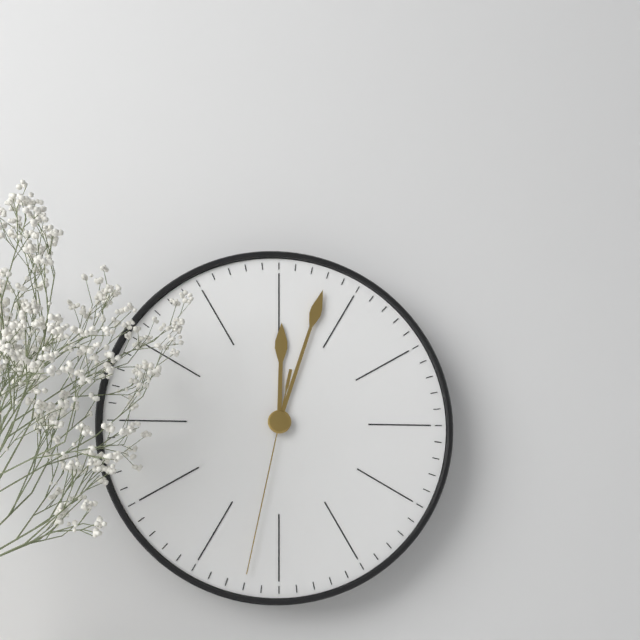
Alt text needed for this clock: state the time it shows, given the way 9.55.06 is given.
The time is 12.03.32
